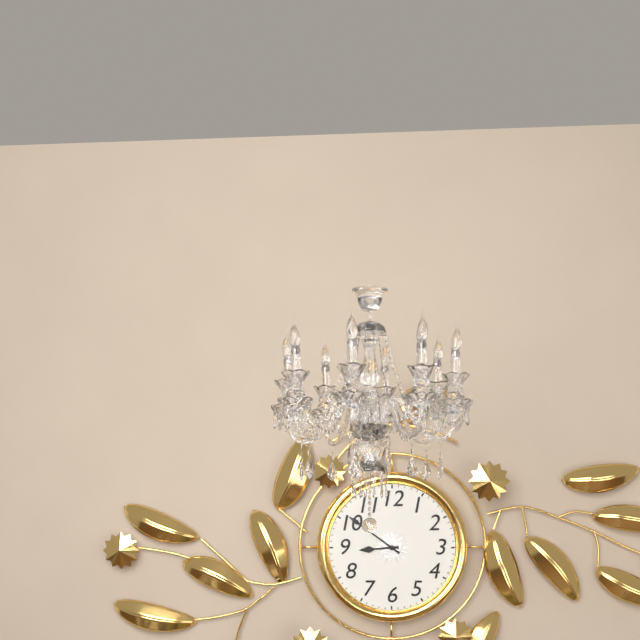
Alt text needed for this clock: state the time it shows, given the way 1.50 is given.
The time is 8.51
